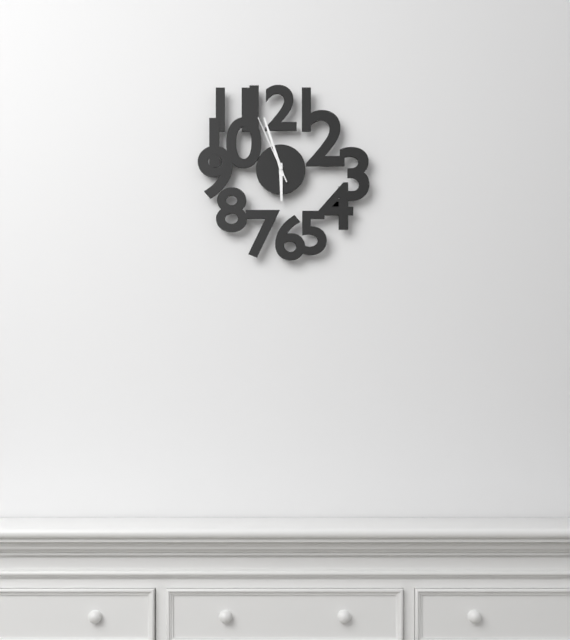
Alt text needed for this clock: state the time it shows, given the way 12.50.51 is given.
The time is 5.57.56
